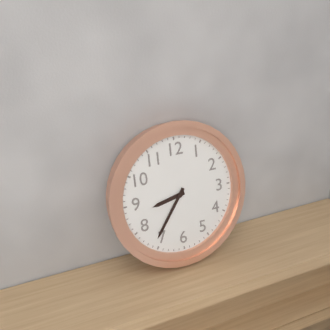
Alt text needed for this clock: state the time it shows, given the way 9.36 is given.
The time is 8.36
